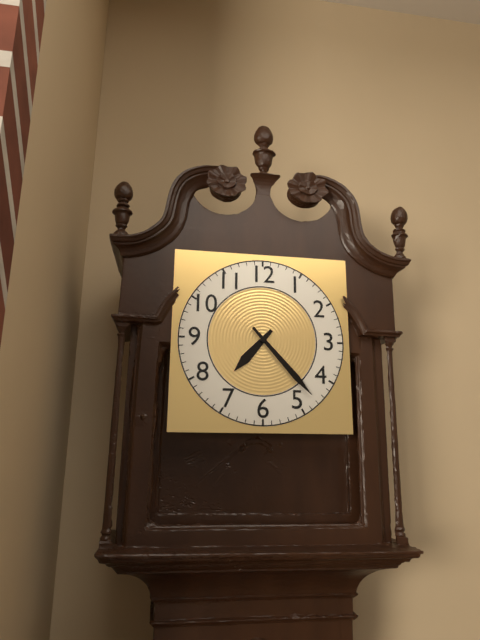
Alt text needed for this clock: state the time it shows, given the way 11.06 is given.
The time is 7.23
